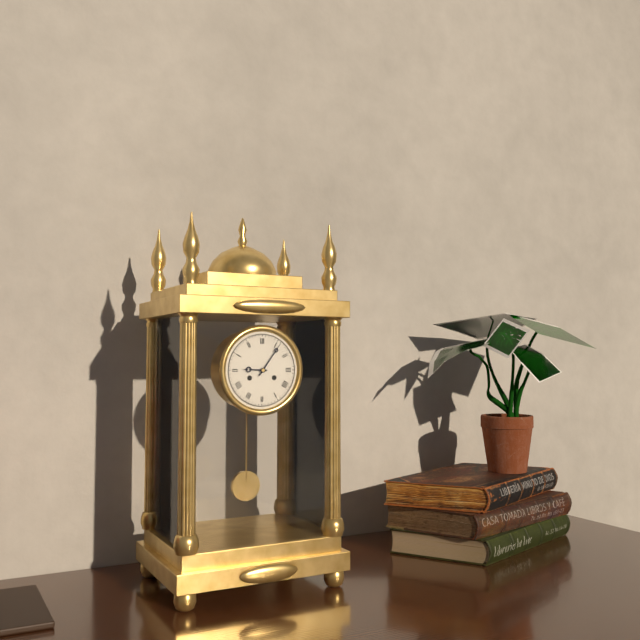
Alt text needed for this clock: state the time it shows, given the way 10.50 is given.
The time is 9.06
